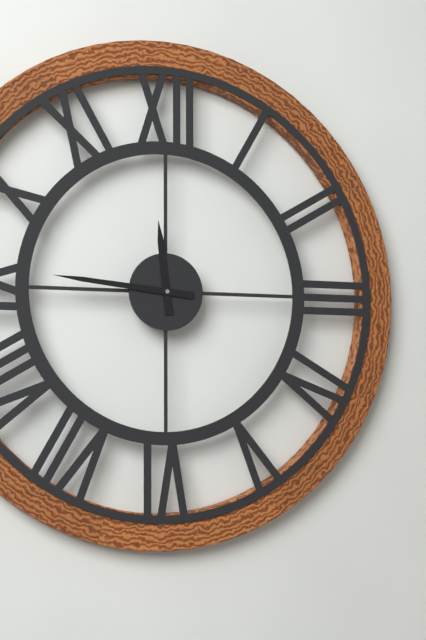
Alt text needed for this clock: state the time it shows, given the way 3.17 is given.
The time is 11.46
